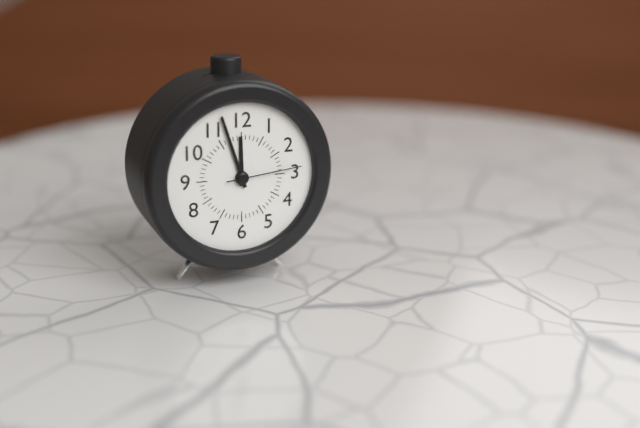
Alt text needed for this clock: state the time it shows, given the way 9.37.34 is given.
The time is 11.57.14
